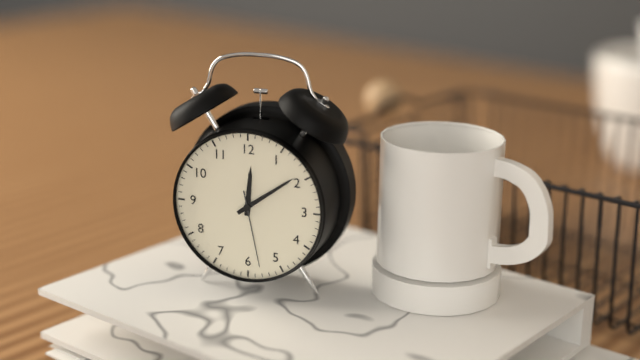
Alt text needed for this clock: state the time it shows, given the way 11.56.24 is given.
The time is 12.09.28
